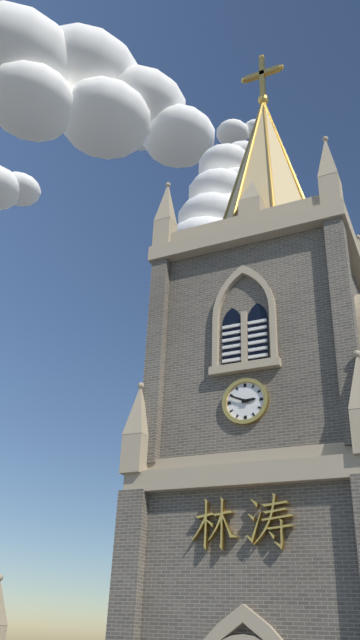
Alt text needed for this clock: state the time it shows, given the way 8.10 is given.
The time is 2.49
